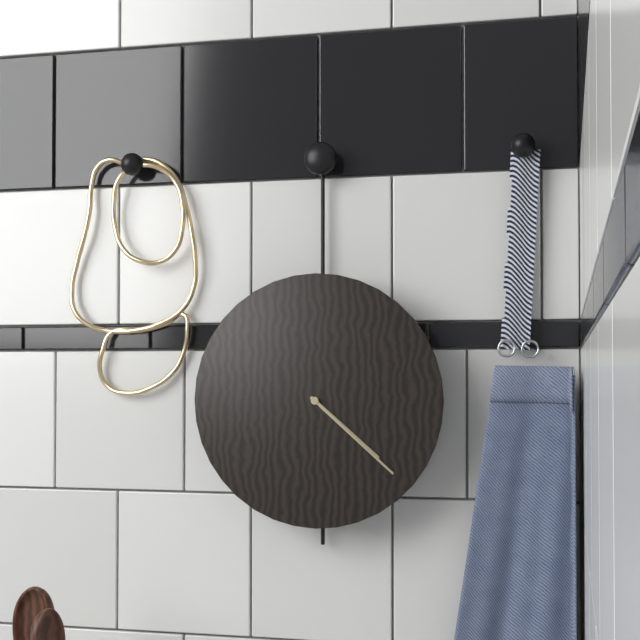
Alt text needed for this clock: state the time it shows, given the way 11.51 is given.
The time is 4.22
